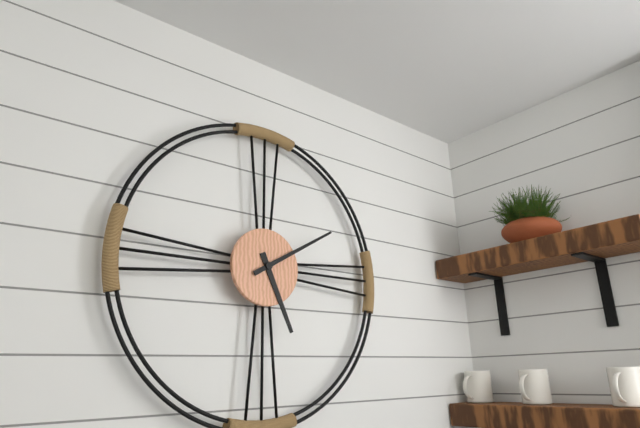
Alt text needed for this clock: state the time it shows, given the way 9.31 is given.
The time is 5.10
